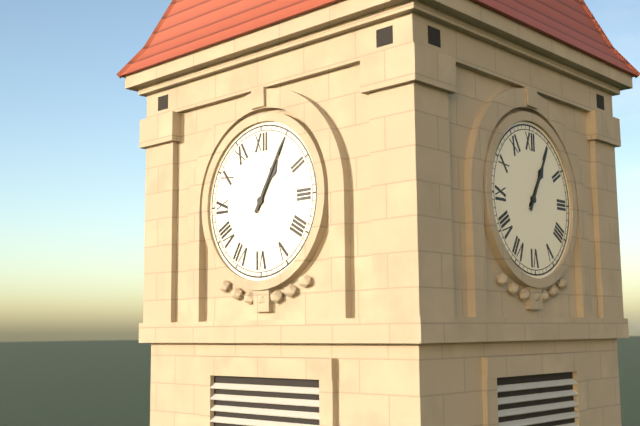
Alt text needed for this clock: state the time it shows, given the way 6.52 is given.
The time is 1.05
